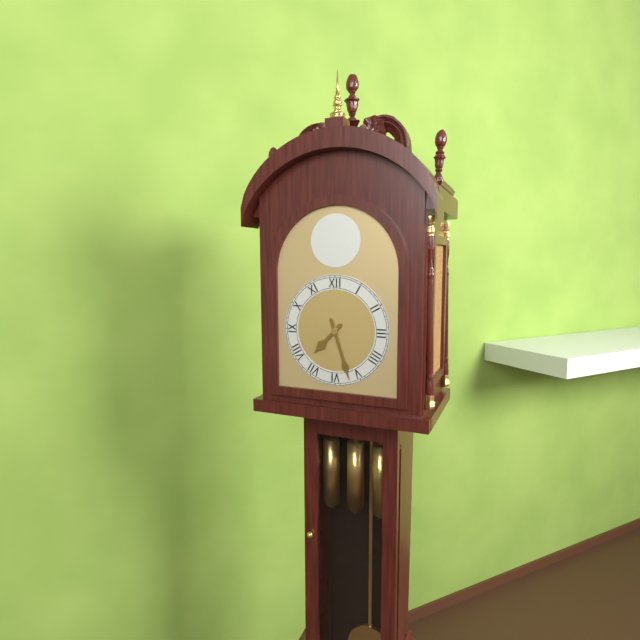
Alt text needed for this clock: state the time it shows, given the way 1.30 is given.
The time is 7.27
